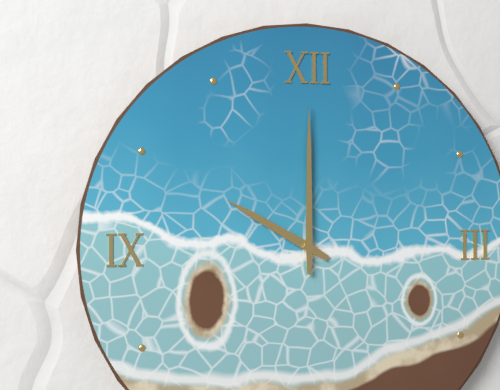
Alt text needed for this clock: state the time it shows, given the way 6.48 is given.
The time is 10.00
